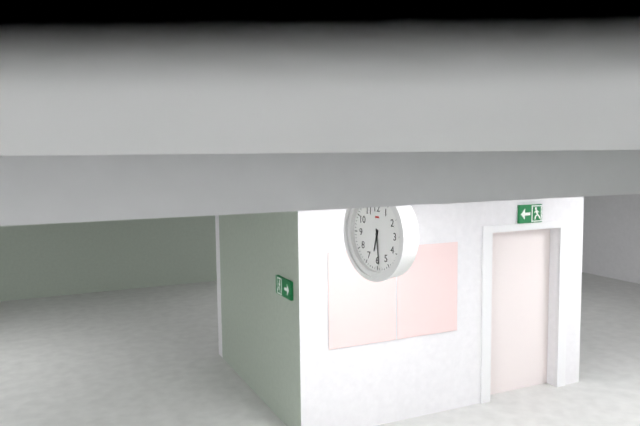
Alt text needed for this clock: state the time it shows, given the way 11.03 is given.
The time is 6.29
